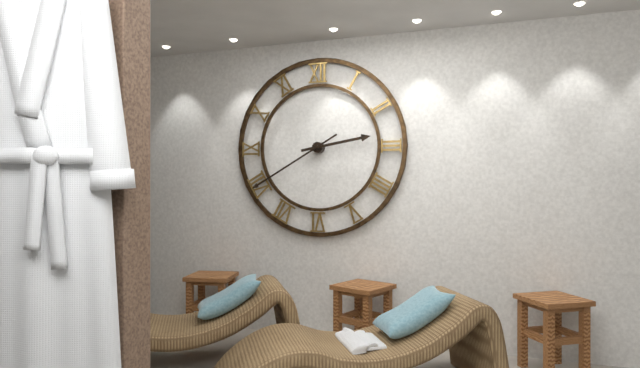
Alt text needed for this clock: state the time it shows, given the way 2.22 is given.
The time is 2.40
